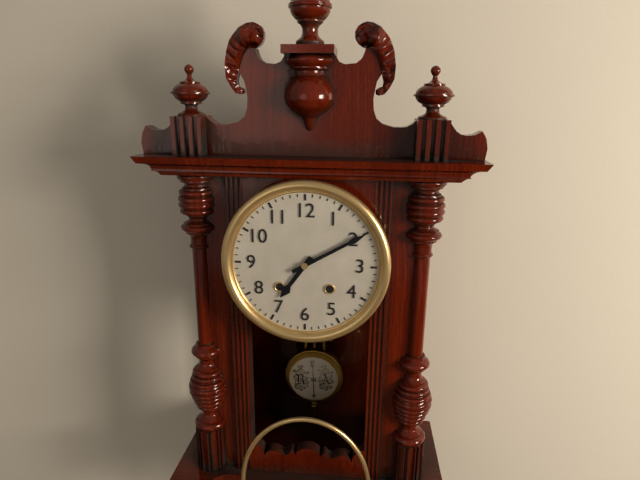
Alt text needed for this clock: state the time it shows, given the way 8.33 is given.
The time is 7.10
